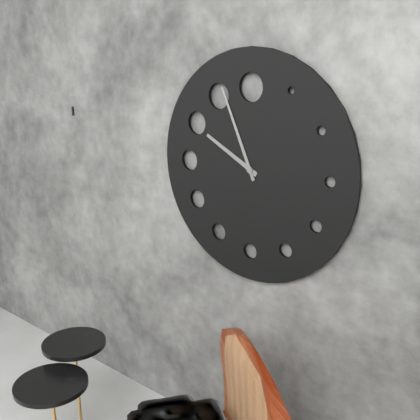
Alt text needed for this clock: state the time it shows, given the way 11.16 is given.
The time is 9.56
